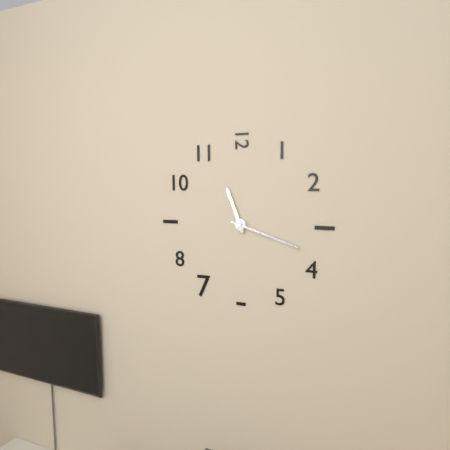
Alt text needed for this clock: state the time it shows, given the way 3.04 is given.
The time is 11.18
